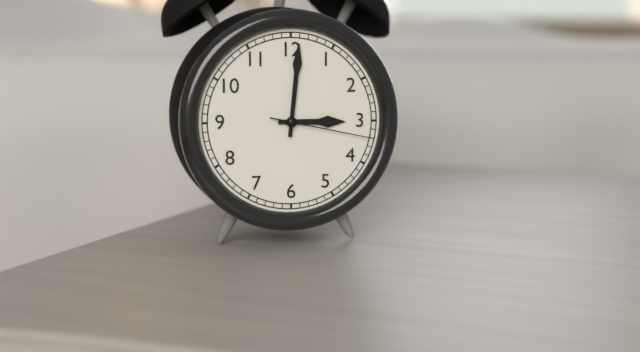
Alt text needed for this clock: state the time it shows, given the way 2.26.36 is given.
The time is 3.01.17
